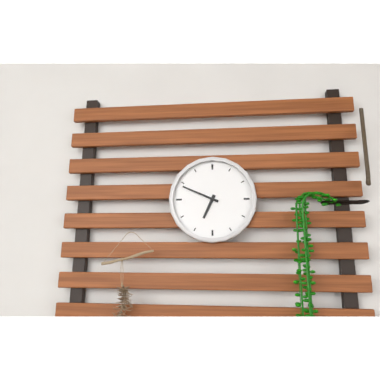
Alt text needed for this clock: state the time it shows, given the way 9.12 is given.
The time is 6.49
